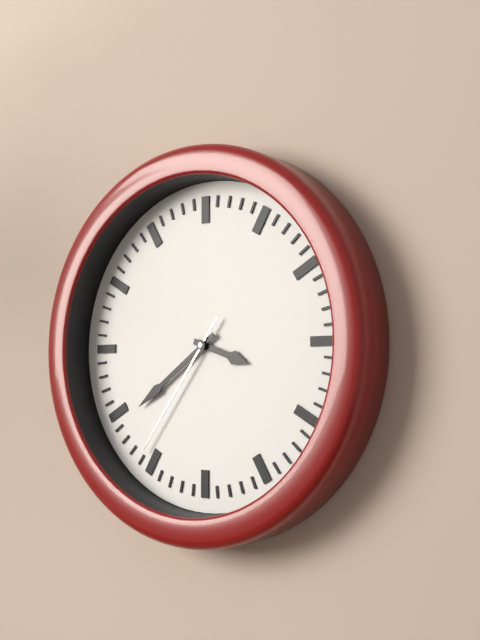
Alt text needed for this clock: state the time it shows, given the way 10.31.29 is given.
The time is 3.39.36
